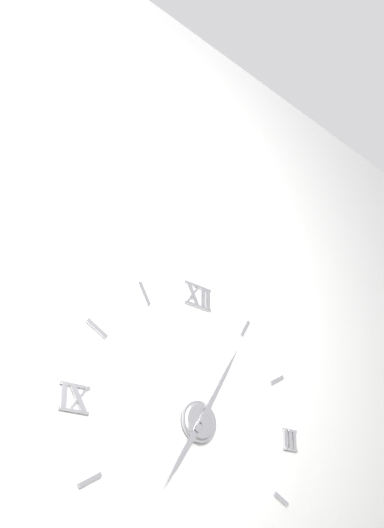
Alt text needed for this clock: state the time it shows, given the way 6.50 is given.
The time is 7.05
